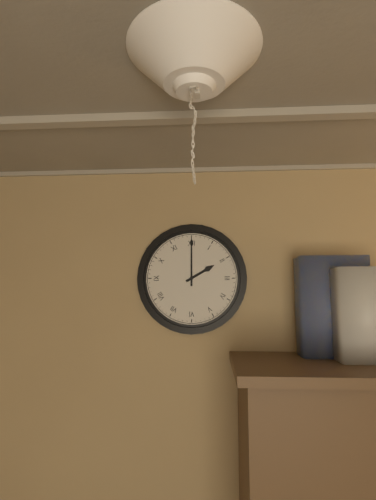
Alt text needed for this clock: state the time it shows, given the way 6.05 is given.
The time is 2.00
